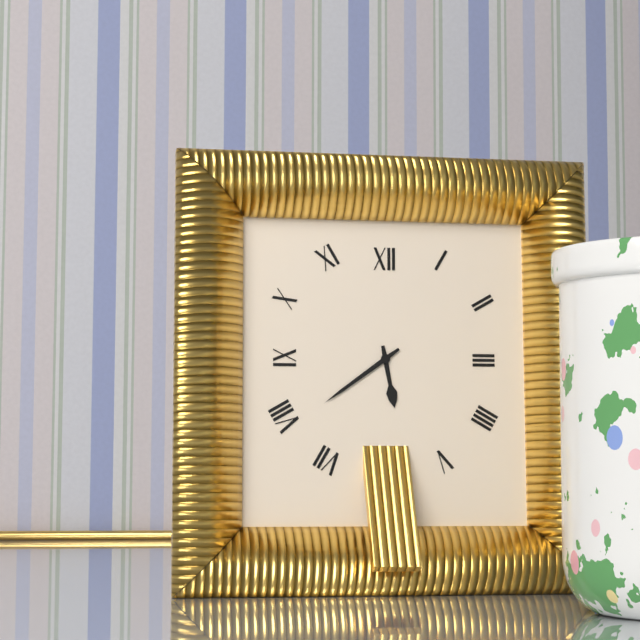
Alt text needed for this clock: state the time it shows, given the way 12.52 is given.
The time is 5.39
